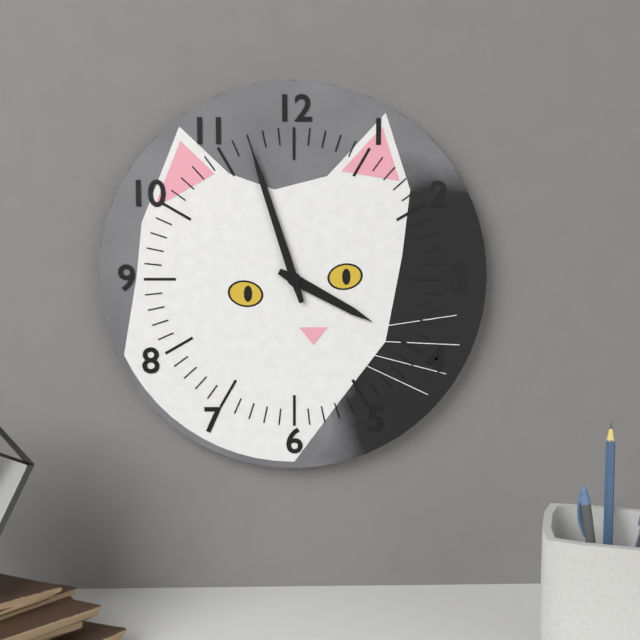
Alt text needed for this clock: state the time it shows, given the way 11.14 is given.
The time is 3.57
